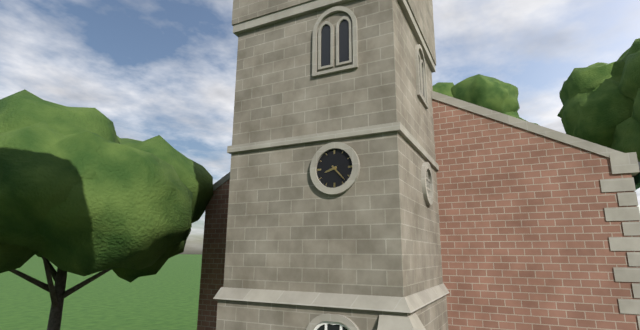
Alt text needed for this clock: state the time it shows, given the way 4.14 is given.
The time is 8.23
